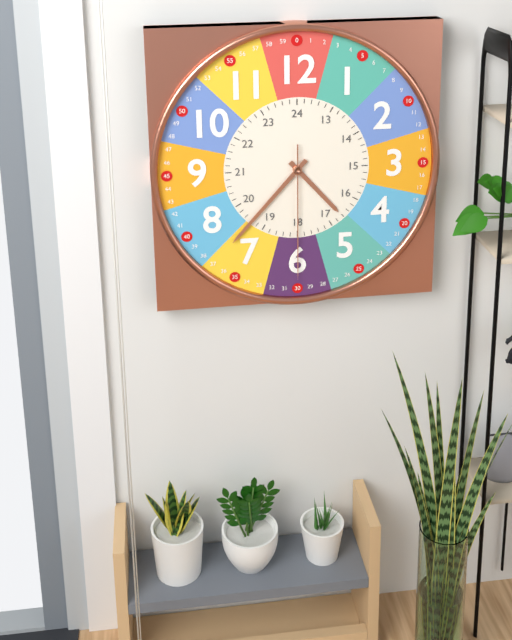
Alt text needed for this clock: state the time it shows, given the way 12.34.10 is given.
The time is 4.37.30
